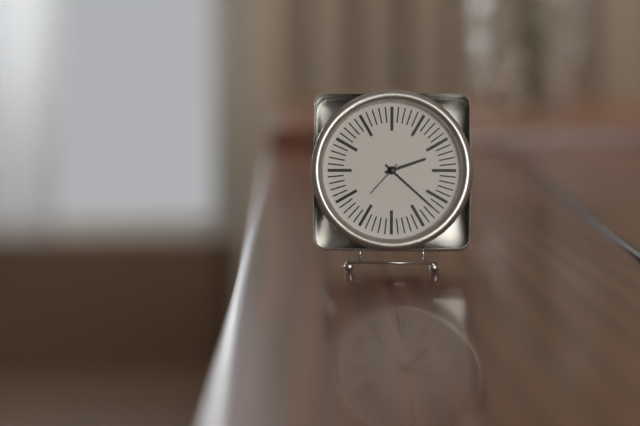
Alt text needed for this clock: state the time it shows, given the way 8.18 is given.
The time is 2.22
